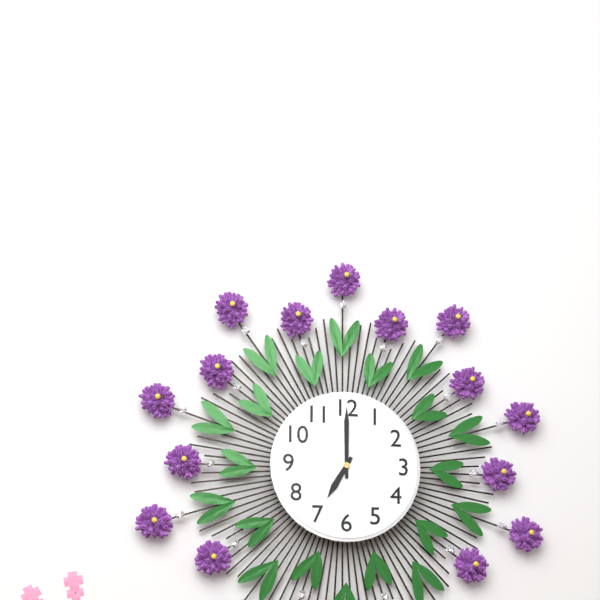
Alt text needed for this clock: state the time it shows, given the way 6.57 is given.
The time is 7.00
